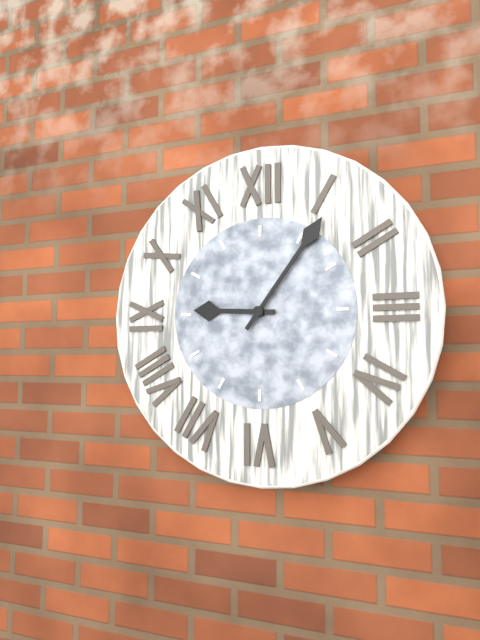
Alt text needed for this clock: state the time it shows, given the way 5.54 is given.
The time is 9.06
